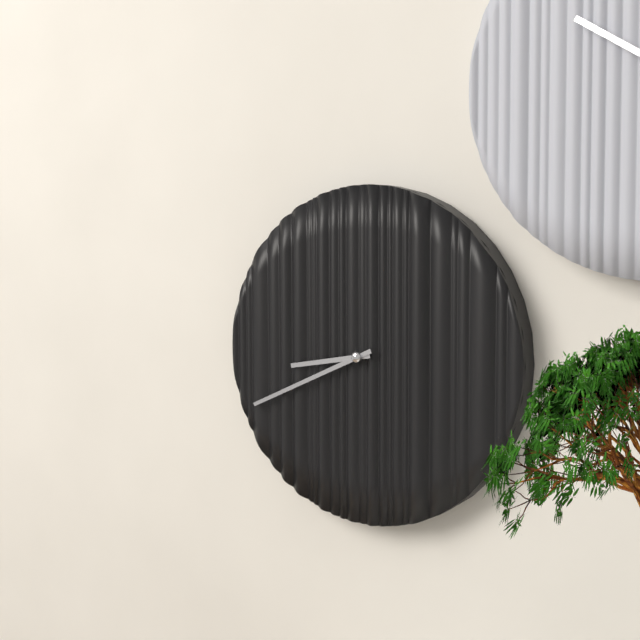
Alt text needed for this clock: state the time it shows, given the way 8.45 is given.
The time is 8.41
